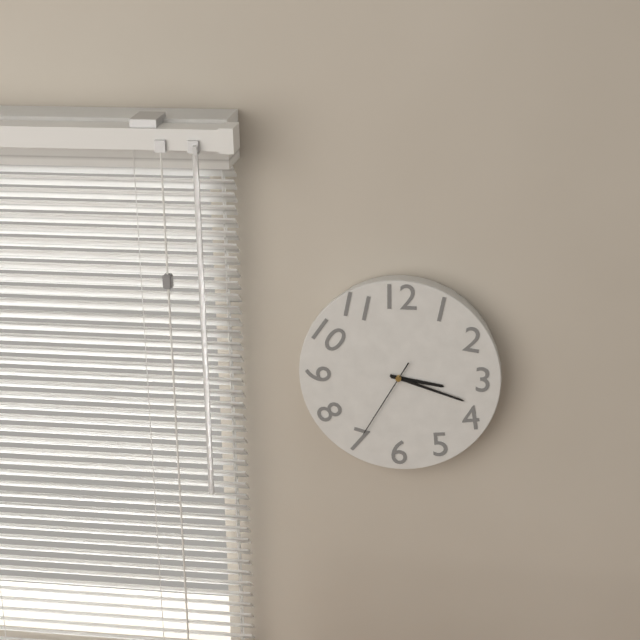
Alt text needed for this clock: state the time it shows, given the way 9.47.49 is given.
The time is 3.18.35
